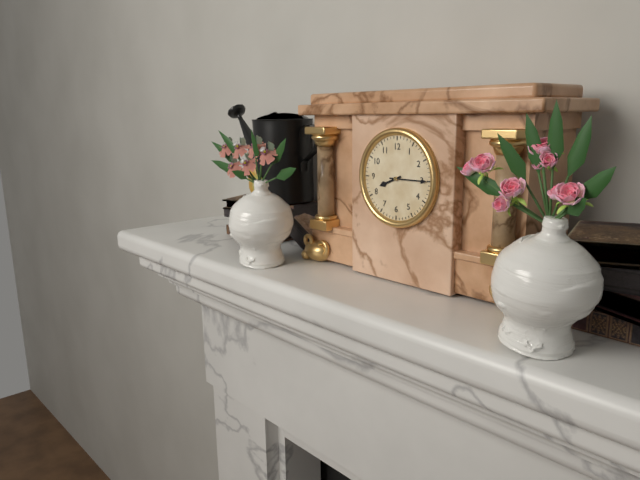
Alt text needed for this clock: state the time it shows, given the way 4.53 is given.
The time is 8.15
